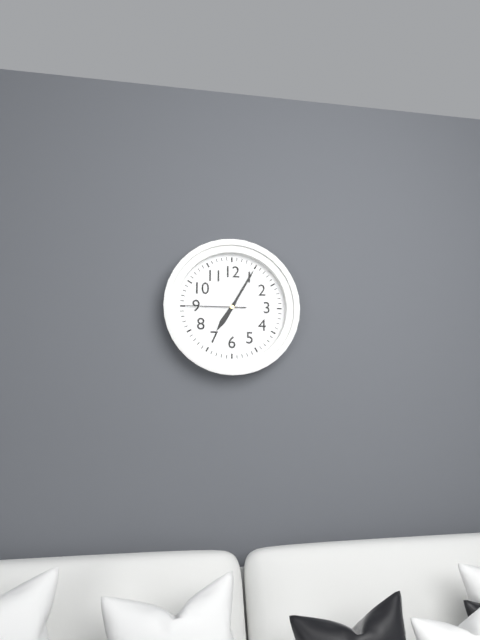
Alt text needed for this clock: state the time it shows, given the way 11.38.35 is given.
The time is 7.05.45
